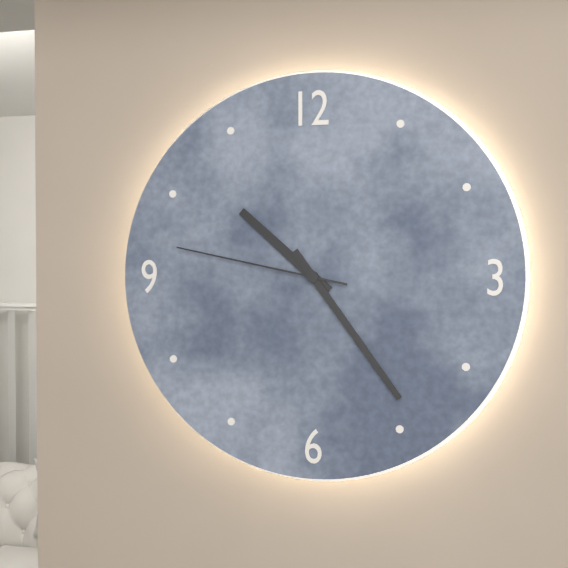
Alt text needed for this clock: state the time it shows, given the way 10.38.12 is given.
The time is 10.24.47
